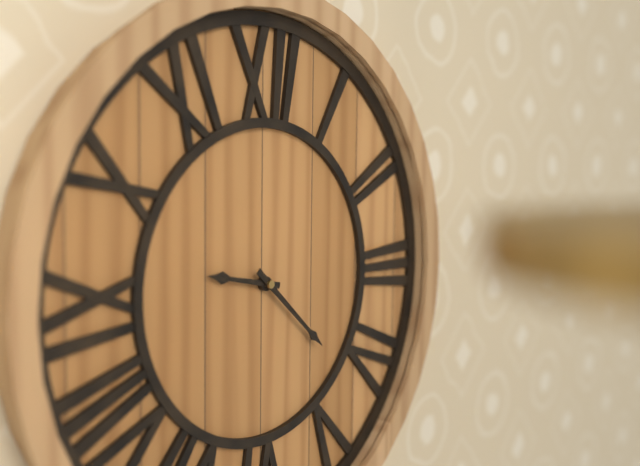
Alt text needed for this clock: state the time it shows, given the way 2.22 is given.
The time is 9.22
